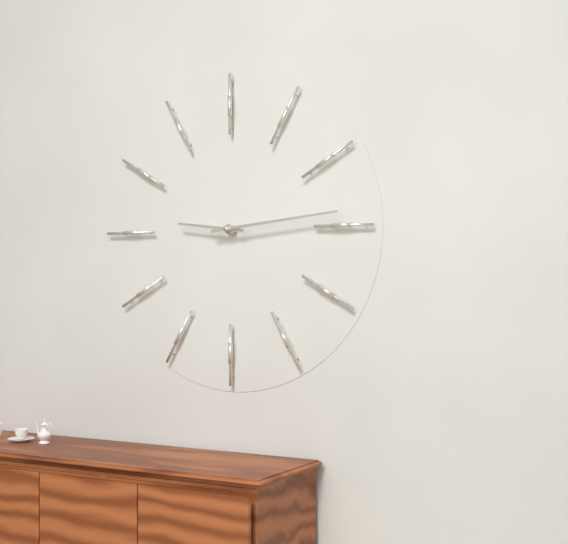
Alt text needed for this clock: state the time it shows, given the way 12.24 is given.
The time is 9.14
